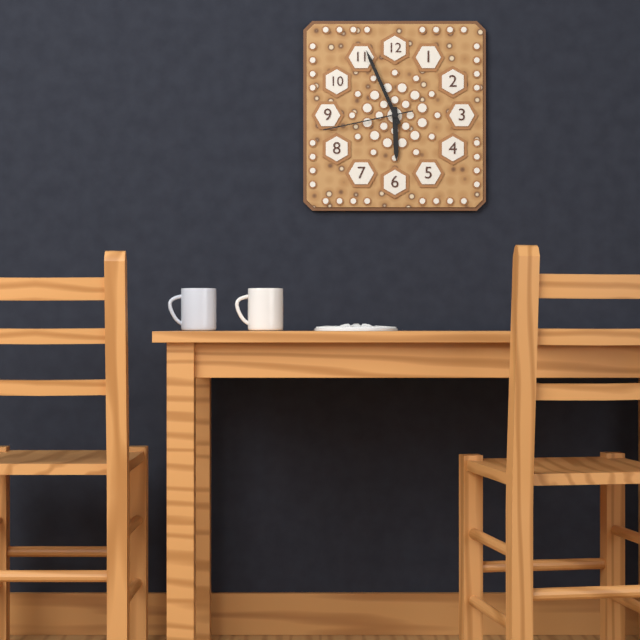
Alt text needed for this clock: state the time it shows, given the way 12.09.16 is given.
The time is 5.56.43
